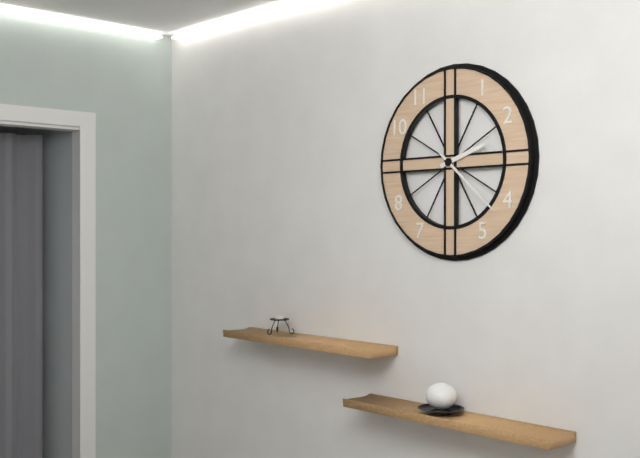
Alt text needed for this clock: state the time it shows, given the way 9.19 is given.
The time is 2.22
